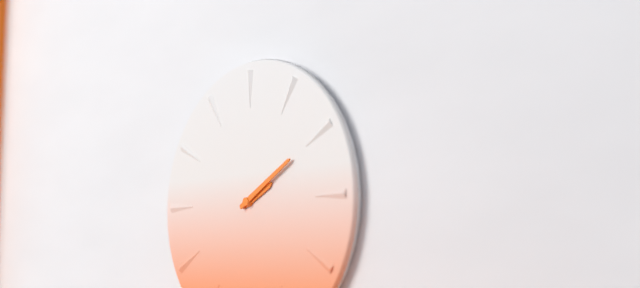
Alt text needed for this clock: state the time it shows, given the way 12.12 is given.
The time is 2.10
